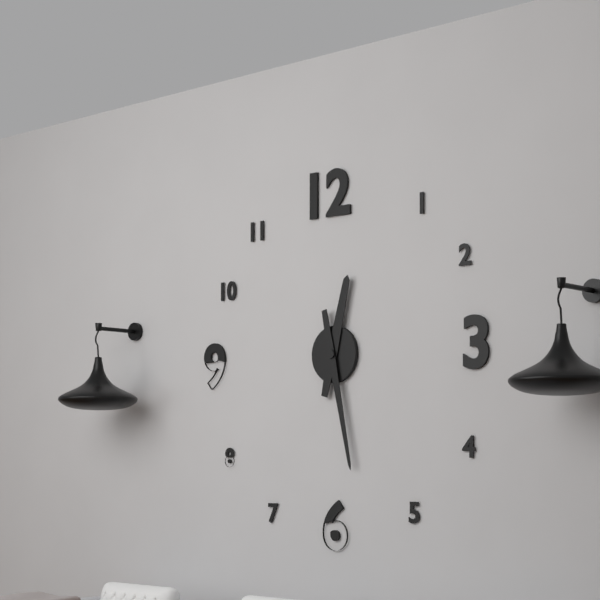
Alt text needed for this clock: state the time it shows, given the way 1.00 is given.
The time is 12.28
